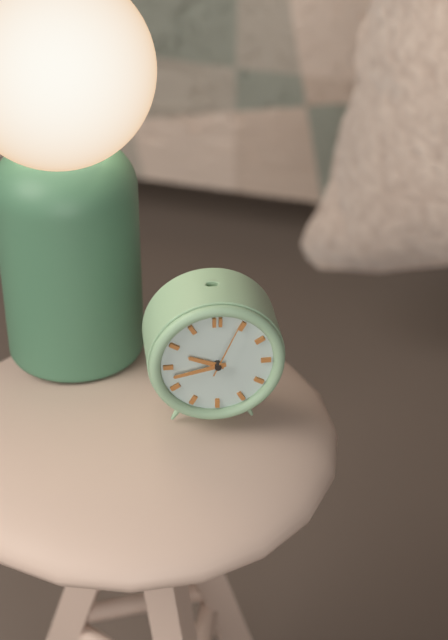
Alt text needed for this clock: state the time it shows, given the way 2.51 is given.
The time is 9.43
